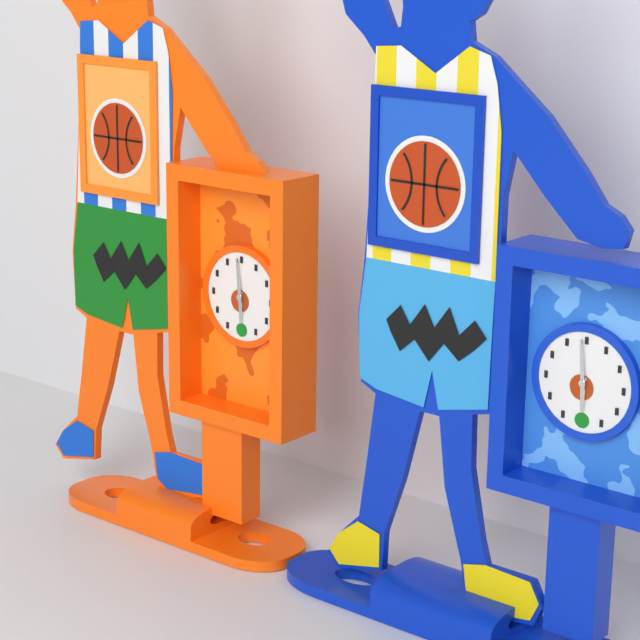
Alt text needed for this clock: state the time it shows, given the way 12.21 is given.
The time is 5.59
